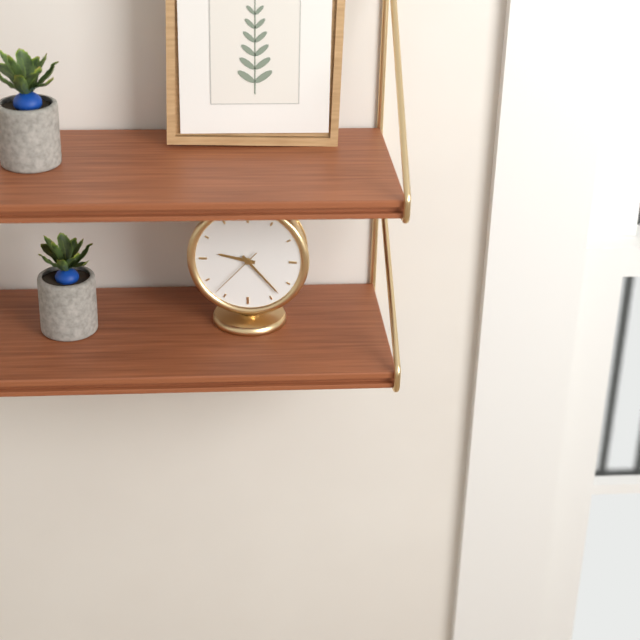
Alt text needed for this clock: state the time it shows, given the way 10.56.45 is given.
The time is 9.23.37
